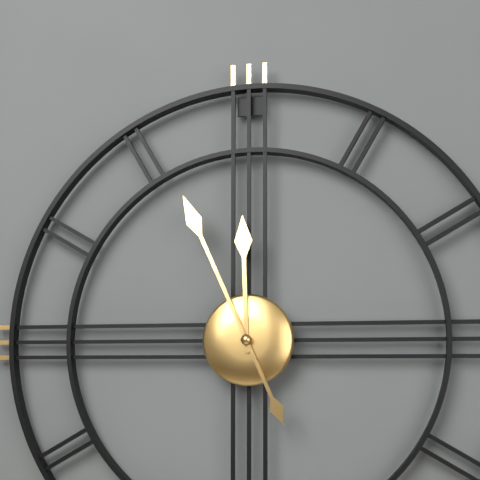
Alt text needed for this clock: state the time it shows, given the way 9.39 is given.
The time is 11.56
